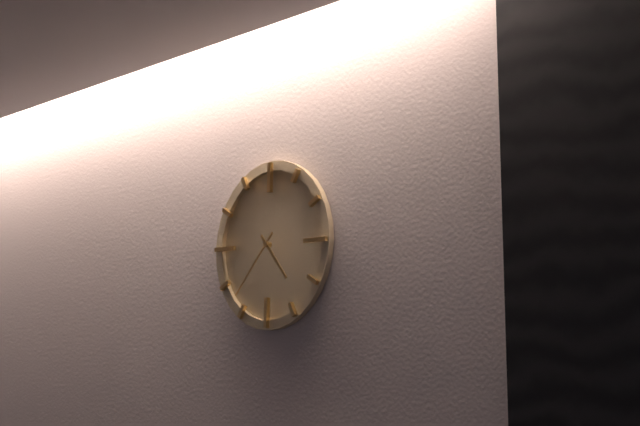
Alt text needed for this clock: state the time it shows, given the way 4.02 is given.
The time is 4.37
